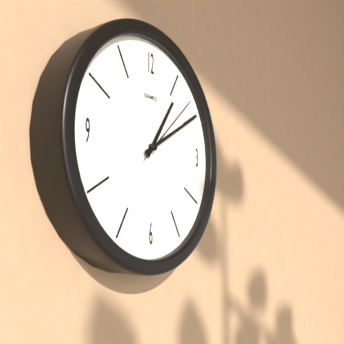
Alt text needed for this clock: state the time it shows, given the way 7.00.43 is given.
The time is 1.10.08
